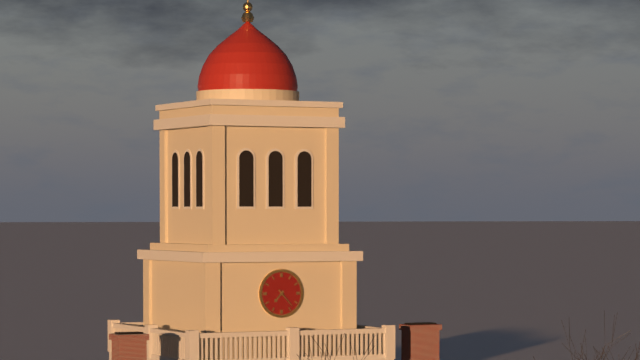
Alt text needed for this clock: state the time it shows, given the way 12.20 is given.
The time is 7.23
